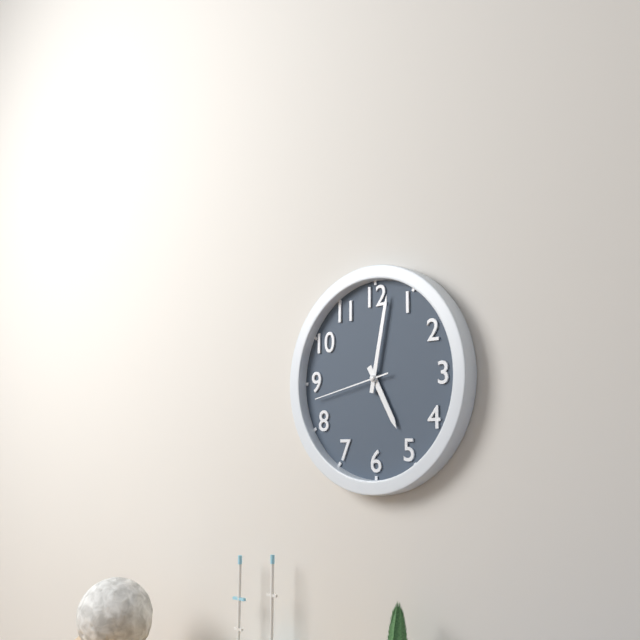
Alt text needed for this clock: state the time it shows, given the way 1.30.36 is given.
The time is 5.02.43
